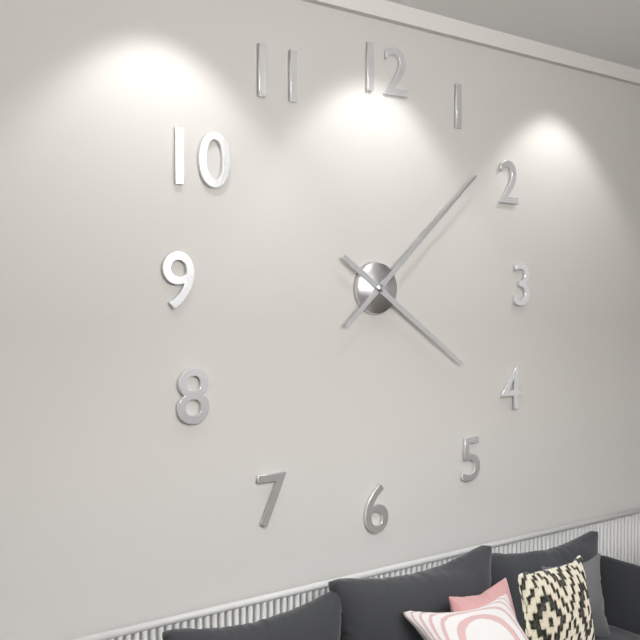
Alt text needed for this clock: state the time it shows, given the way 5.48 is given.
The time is 4.08
